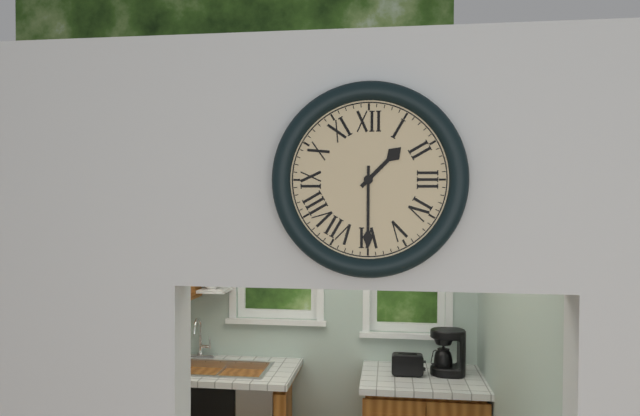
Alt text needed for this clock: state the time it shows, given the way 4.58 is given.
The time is 1.30
